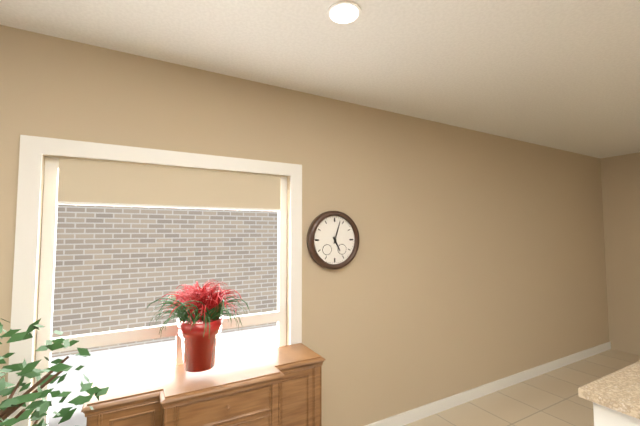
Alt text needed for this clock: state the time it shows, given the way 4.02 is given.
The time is 5.03
